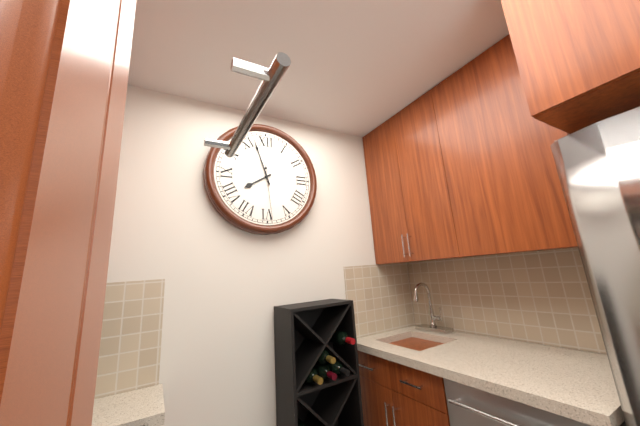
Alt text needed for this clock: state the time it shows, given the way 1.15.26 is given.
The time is 7.57.29
